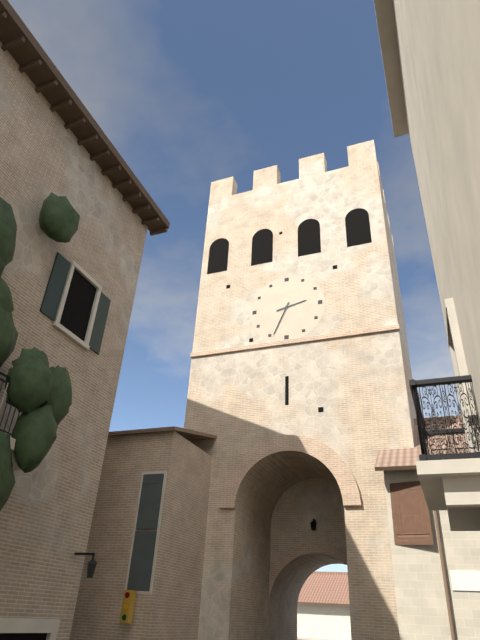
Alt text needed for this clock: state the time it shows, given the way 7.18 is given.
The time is 2.34
